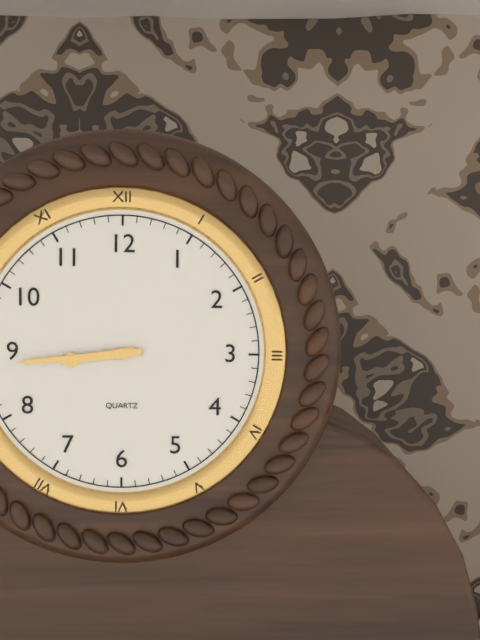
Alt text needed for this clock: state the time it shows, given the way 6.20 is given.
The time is 8.44
